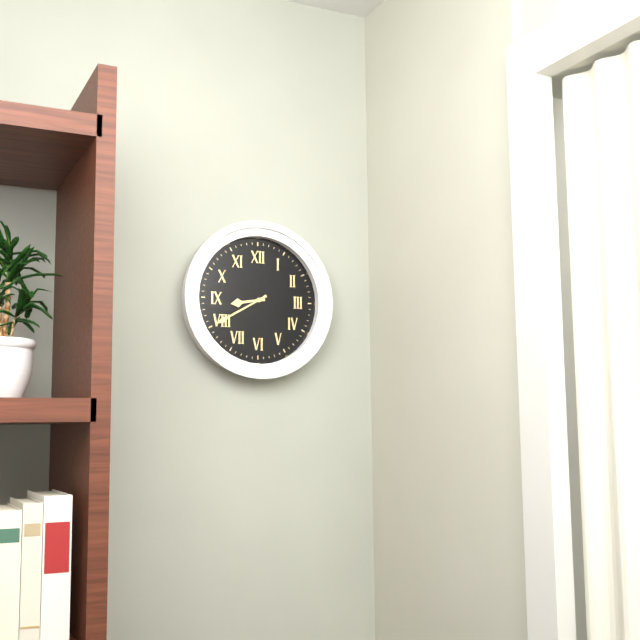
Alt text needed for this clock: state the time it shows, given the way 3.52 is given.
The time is 8.40
